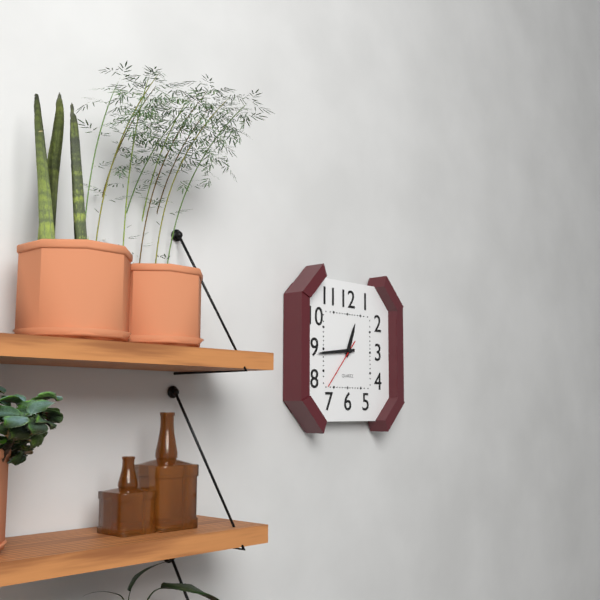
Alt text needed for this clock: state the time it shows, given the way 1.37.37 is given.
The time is 12.44.37
